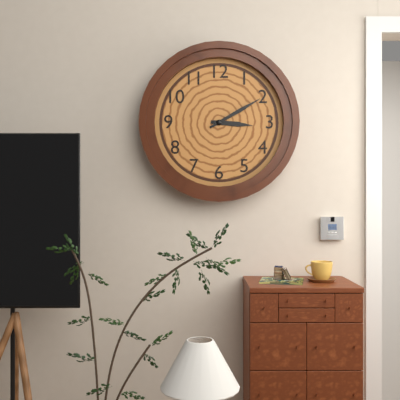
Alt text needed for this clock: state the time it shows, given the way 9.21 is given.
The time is 3.10
